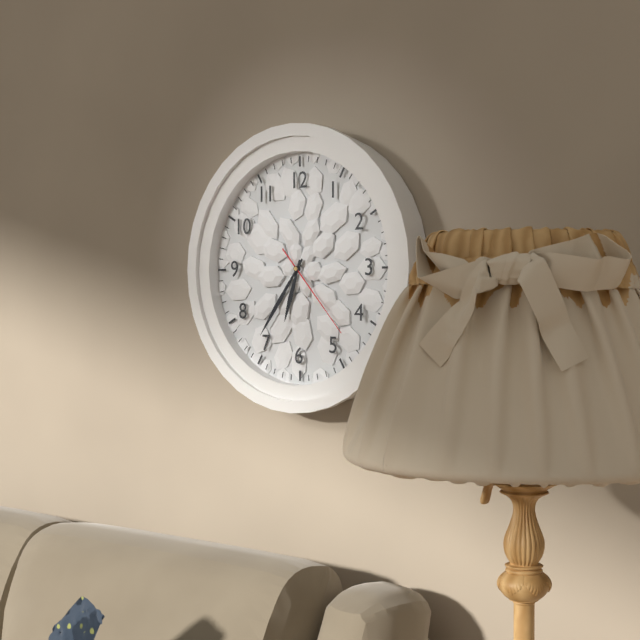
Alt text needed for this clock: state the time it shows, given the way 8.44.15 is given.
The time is 6.36.23
